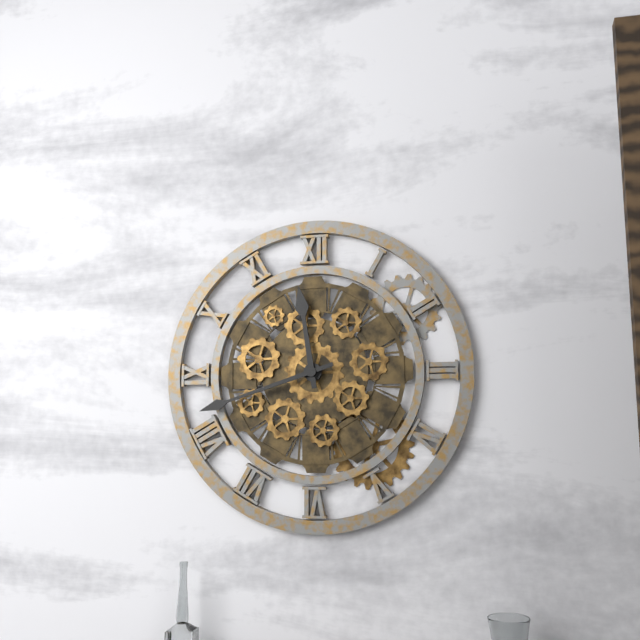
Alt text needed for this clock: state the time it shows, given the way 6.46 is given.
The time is 11.42
